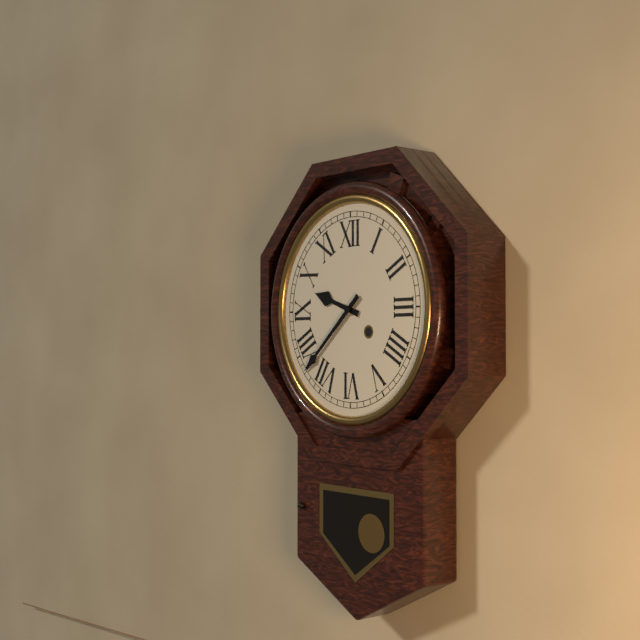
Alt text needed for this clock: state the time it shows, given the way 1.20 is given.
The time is 9.38
